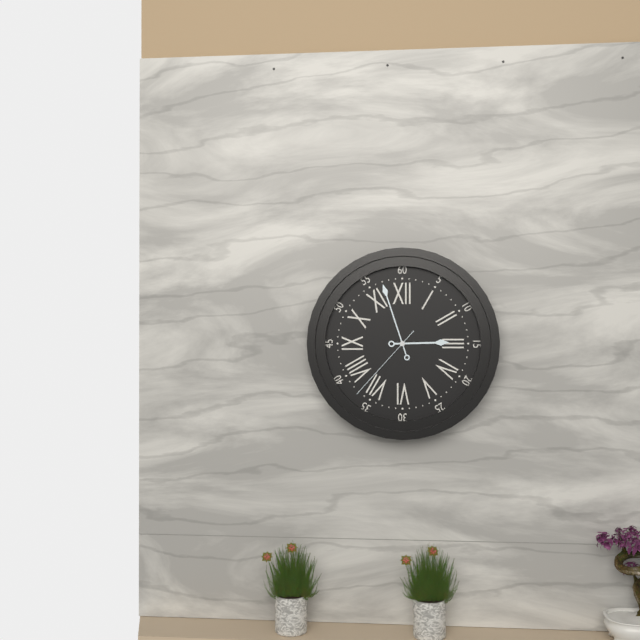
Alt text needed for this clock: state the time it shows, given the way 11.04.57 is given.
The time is 2.57.37
